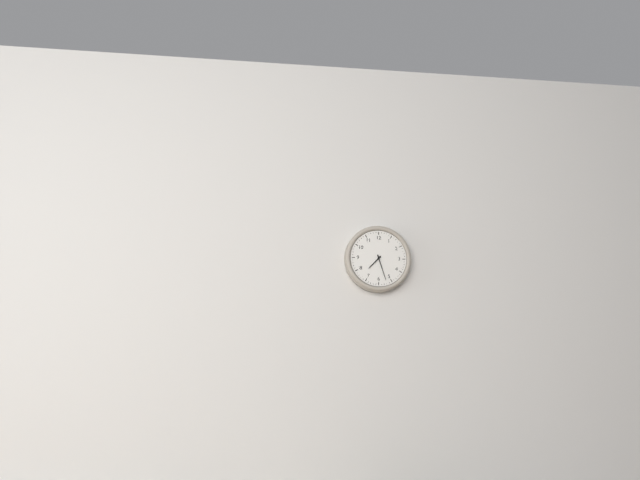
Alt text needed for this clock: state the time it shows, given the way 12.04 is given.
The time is 7.27
